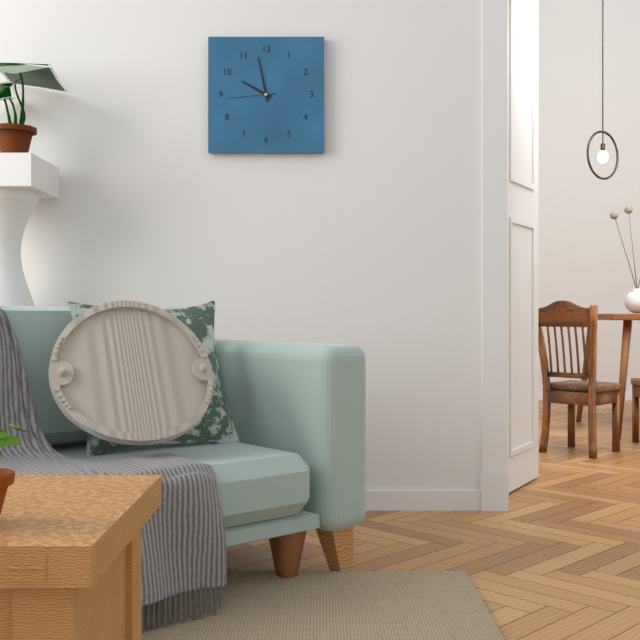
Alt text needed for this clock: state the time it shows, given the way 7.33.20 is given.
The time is 9.58.44
